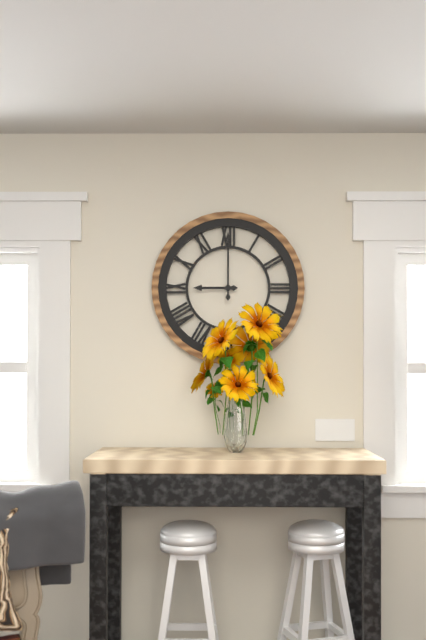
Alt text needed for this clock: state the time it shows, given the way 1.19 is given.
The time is 9.00
